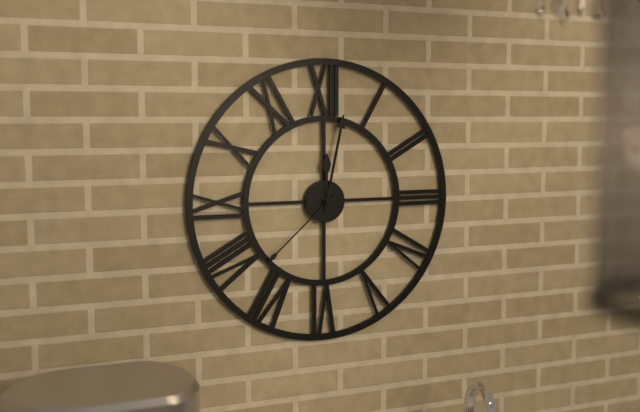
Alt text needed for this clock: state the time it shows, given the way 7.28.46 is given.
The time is 12.02.38
